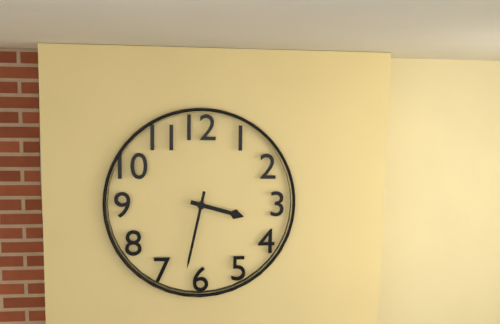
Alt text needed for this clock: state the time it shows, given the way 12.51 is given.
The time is 3.32
